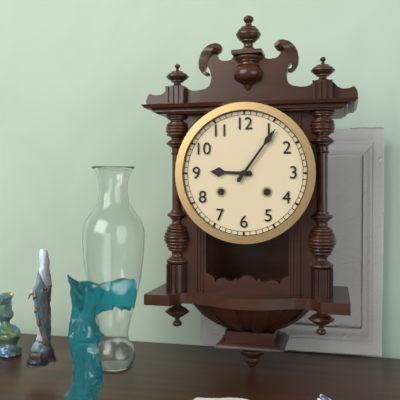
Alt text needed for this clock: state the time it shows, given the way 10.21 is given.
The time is 9.06
